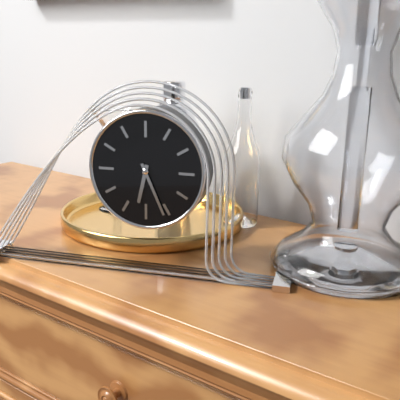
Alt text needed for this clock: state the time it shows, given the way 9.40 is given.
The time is 6.26
